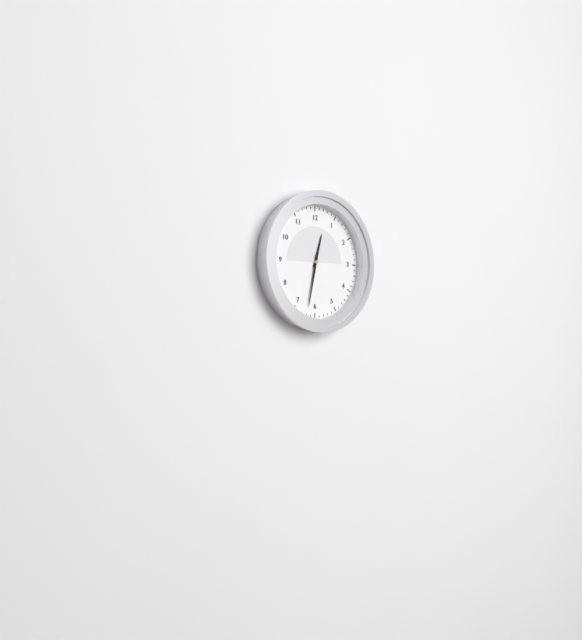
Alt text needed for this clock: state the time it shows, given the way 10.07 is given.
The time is 12.32
